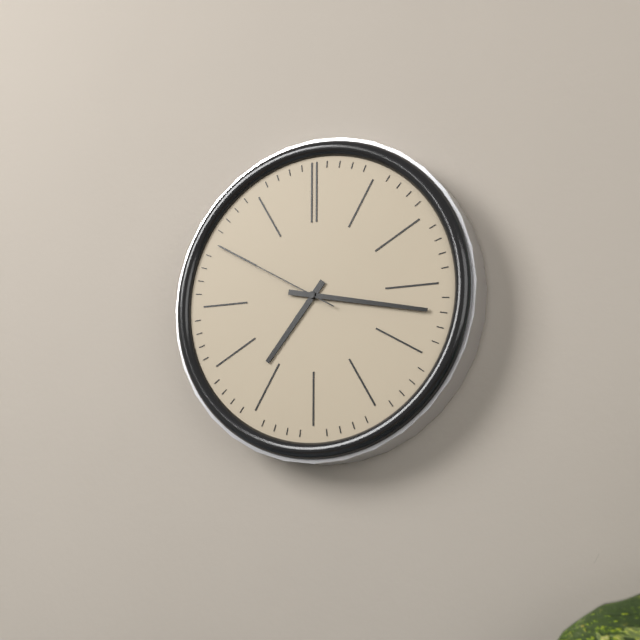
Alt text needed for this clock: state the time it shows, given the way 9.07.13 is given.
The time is 7.17.50
